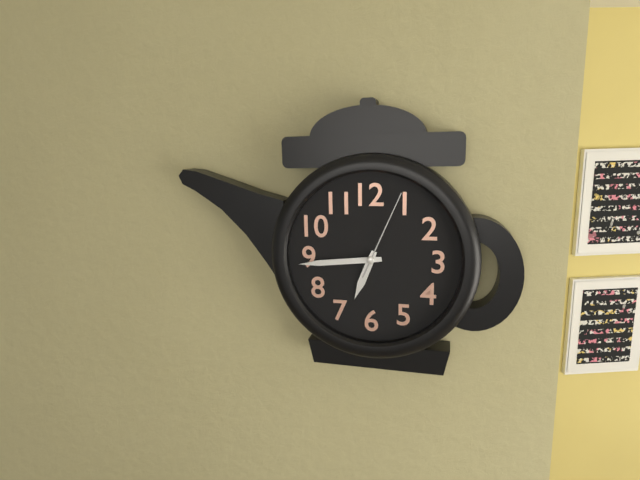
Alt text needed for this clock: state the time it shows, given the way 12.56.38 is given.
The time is 6.44.04
